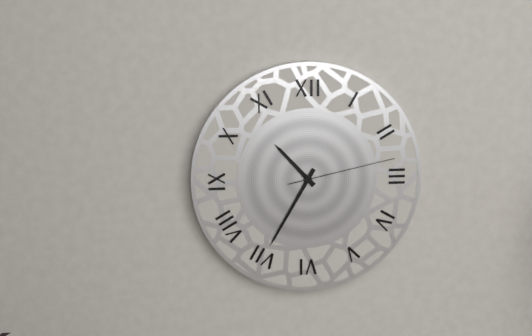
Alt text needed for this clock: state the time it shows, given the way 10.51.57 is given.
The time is 10.35.13
